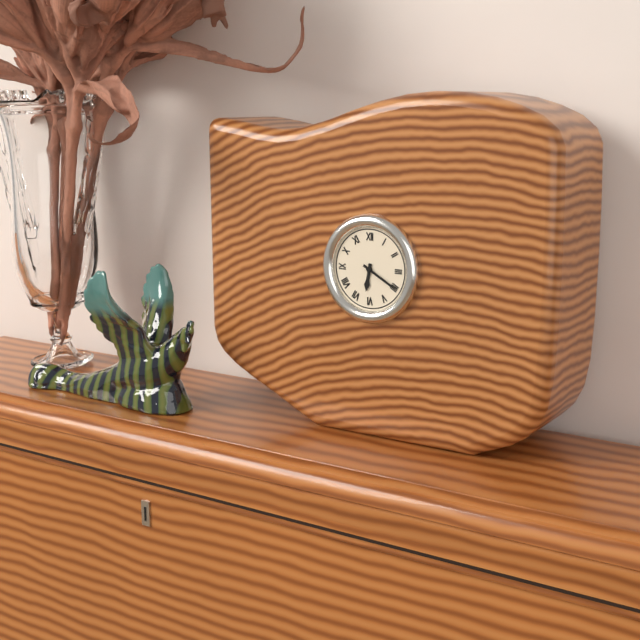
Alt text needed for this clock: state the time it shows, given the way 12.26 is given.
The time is 6.20
